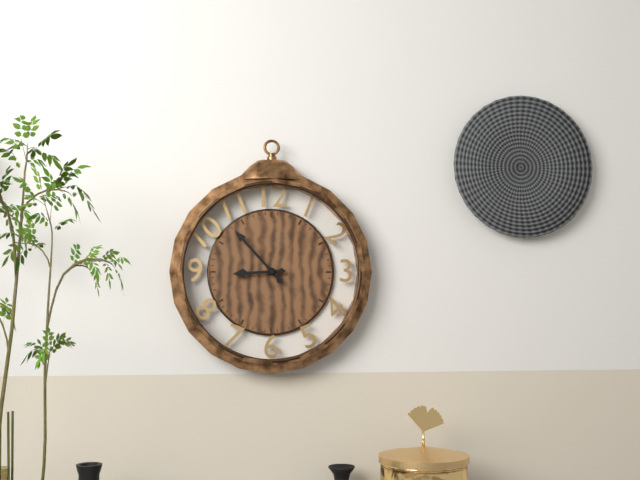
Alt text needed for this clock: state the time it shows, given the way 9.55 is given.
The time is 8.53
